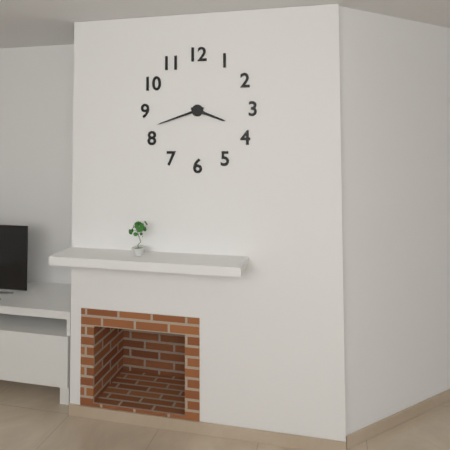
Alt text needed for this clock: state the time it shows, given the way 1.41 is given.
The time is 3.42
